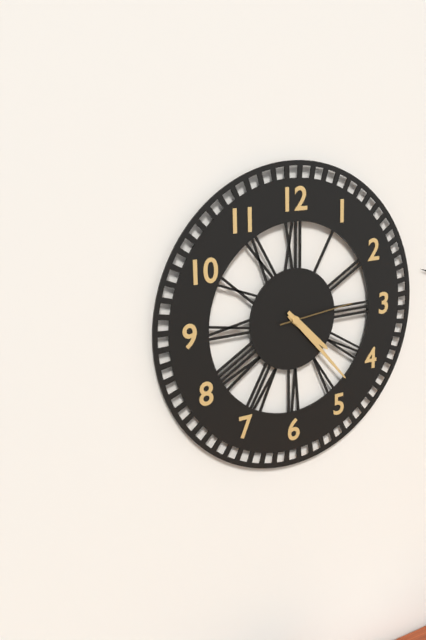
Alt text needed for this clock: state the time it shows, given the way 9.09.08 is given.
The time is 4.23.14
